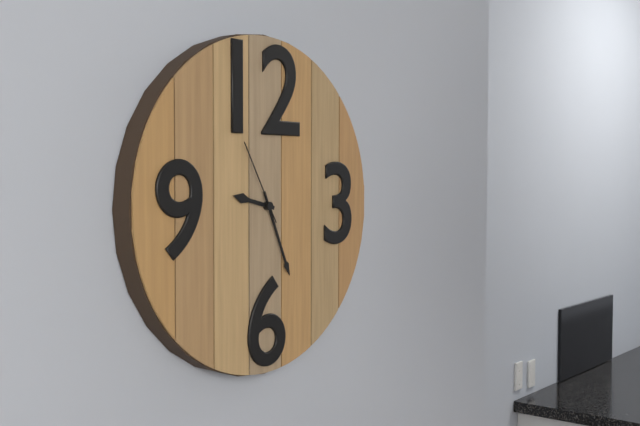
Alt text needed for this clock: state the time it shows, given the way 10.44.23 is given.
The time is 9.26.55
